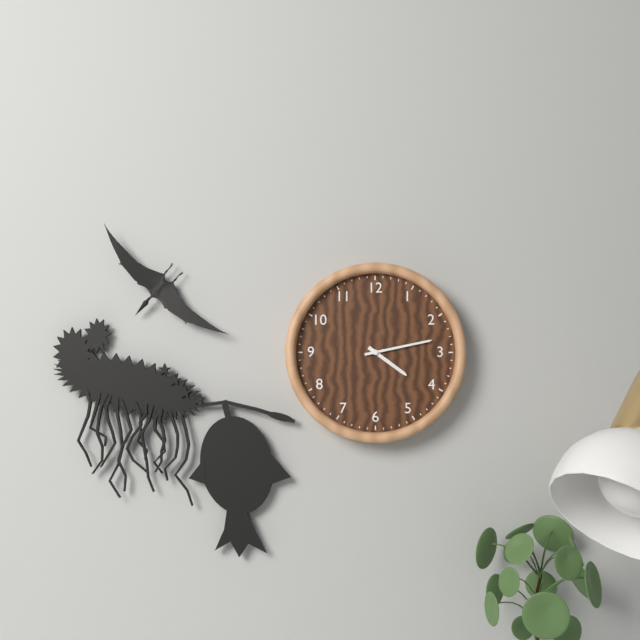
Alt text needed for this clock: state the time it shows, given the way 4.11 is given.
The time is 4.13
